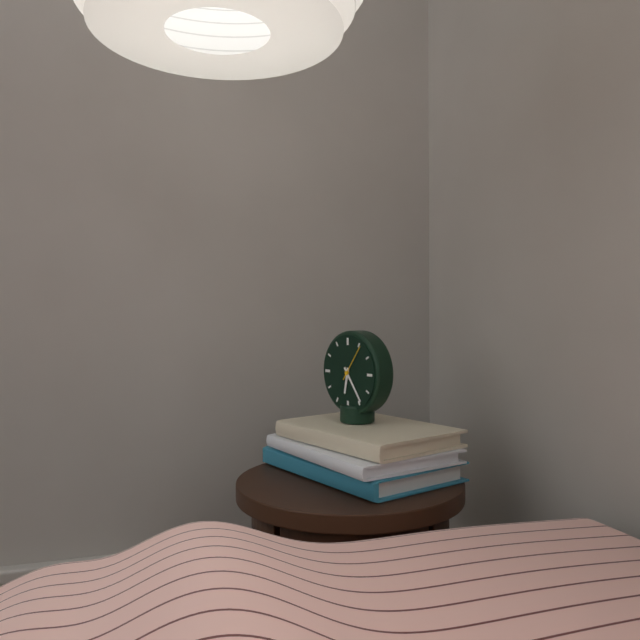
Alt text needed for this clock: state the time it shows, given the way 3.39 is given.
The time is 6.24
